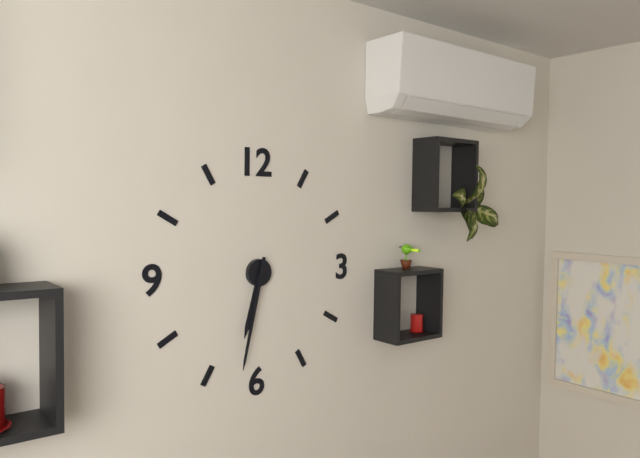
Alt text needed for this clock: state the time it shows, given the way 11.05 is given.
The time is 6.32
